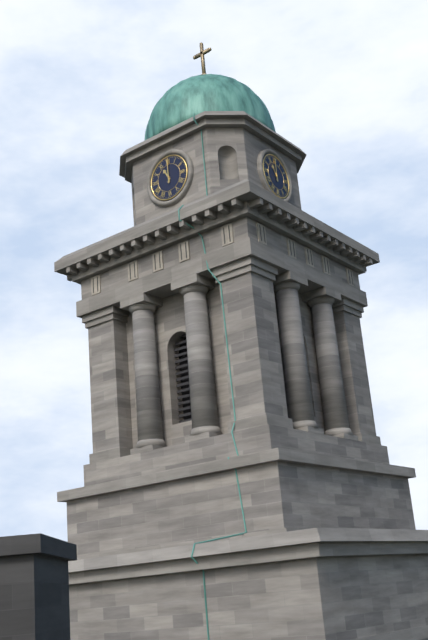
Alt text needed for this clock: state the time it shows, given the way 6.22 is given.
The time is 11.00
